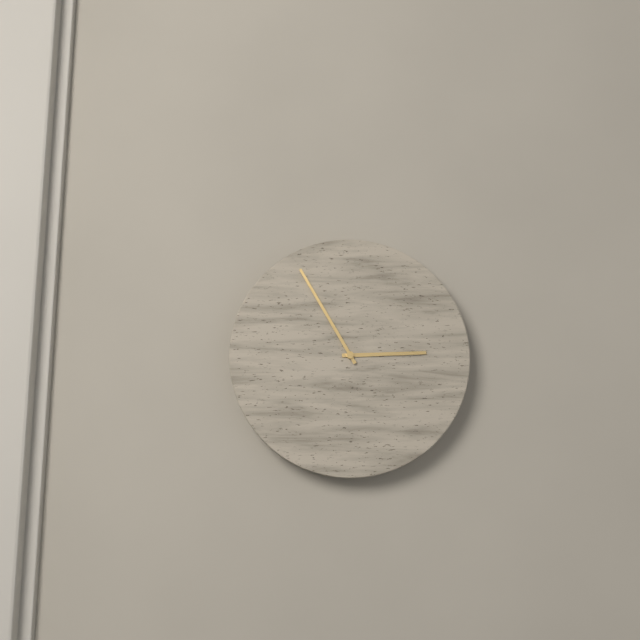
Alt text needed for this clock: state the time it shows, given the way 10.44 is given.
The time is 2.55
